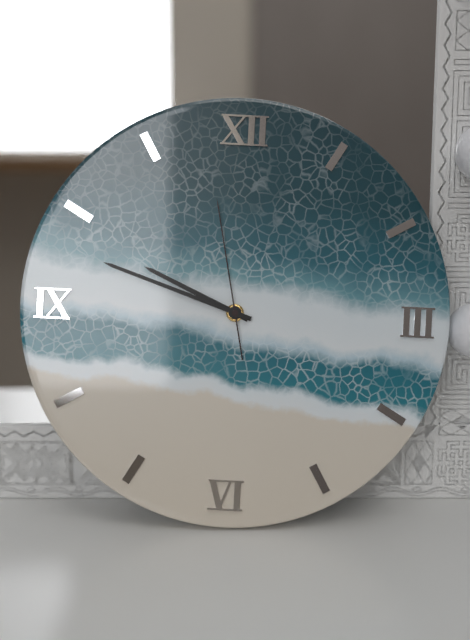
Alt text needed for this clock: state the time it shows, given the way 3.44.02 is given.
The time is 9.48.58
